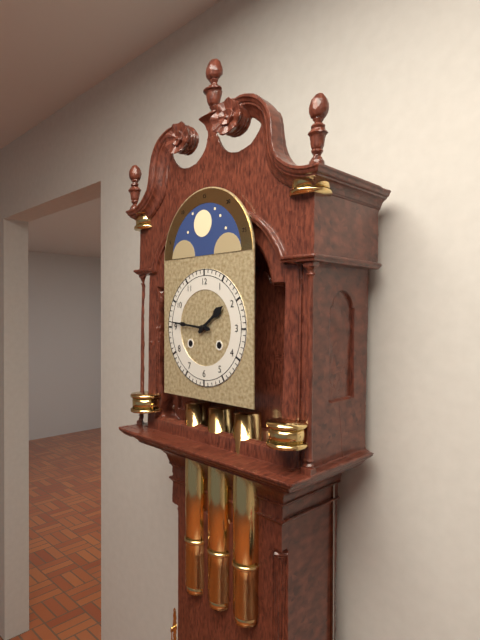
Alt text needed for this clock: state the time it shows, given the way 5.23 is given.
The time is 1.46
